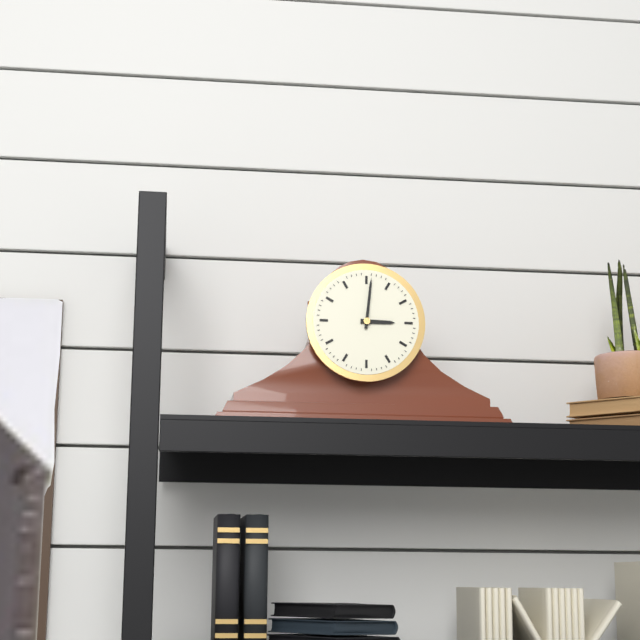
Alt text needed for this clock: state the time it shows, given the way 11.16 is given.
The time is 3.01
